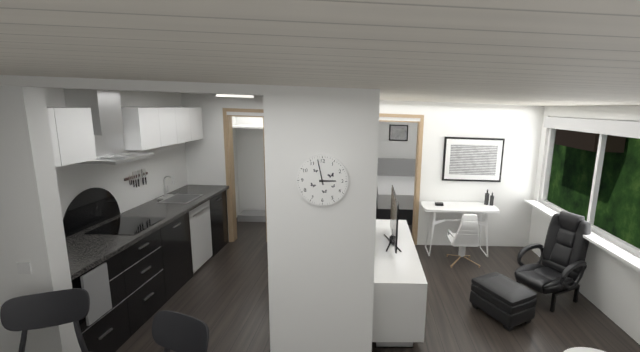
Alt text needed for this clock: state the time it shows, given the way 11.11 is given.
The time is 2.58
